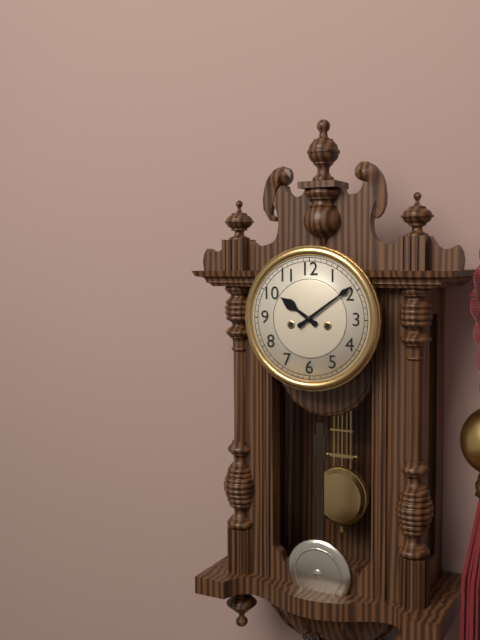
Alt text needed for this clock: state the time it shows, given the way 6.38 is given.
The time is 10.09
